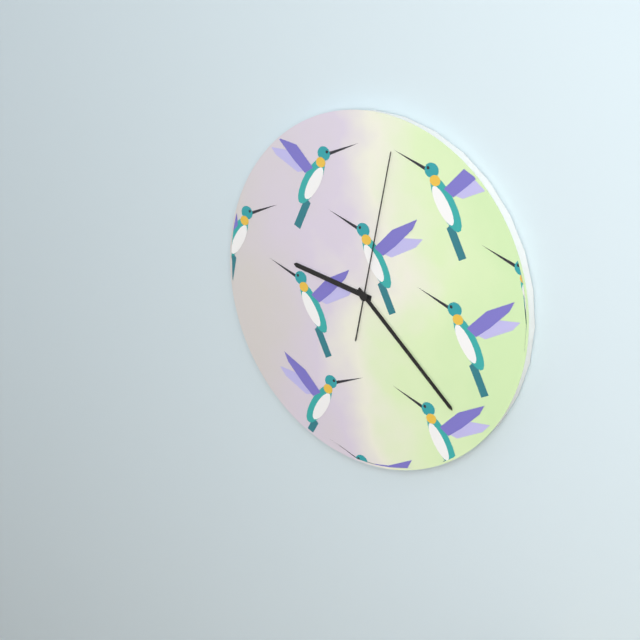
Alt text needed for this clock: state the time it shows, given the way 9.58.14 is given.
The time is 9.22.02
